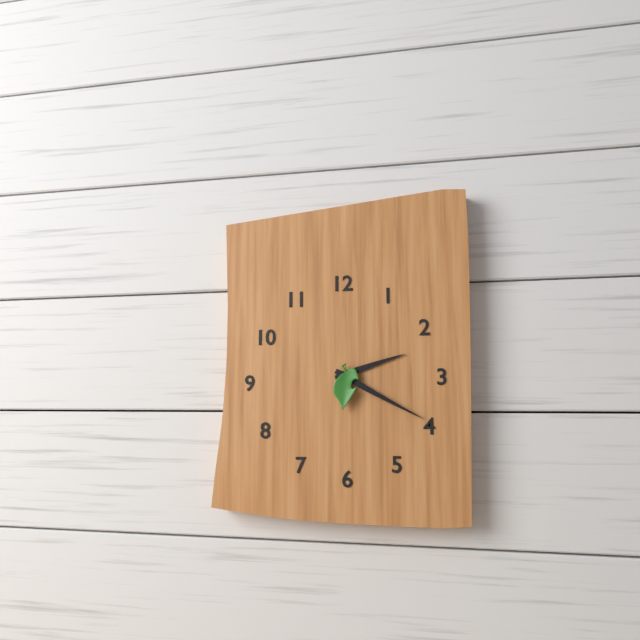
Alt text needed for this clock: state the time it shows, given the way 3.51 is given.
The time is 2.20
